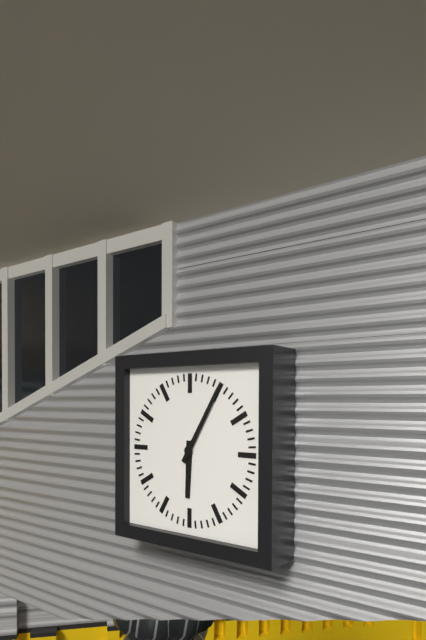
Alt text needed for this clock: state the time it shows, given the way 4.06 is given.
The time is 6.05
